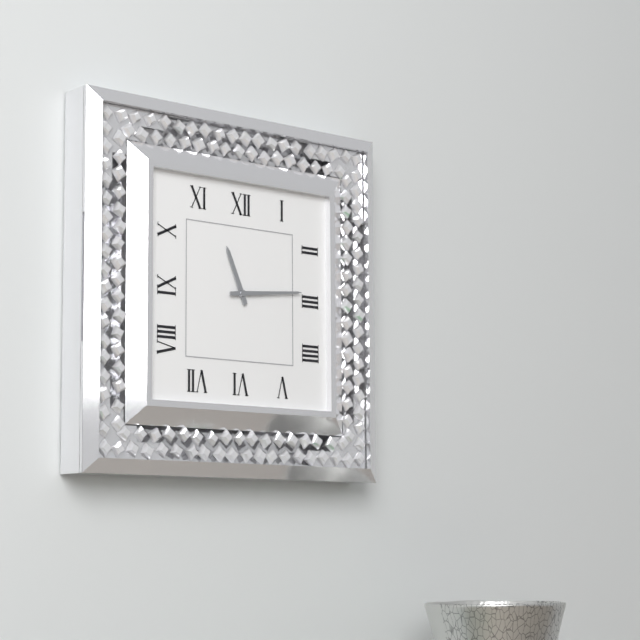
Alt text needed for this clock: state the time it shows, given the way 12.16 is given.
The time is 11.14
